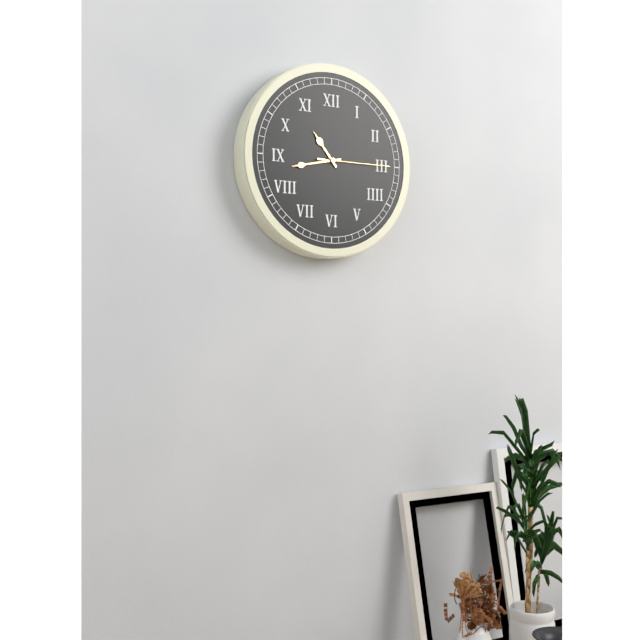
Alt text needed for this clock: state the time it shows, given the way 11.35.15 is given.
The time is 10.43.15
